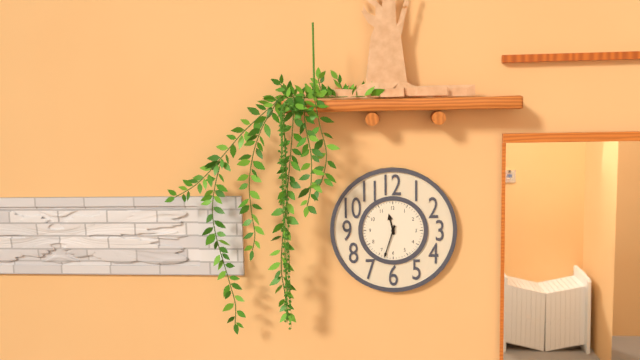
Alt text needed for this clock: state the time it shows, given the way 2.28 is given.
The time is 11.33
